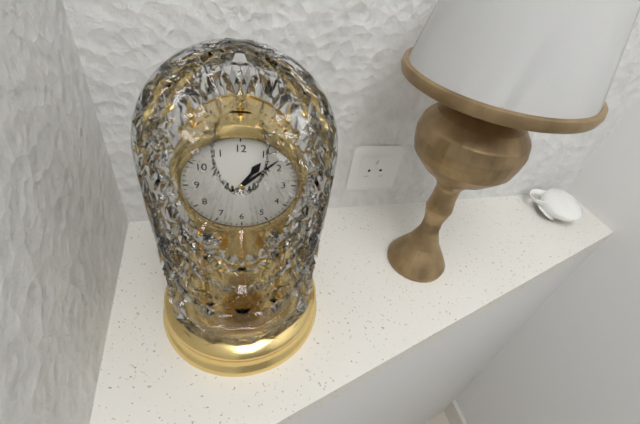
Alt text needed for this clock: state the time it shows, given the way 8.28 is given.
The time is 1.08
